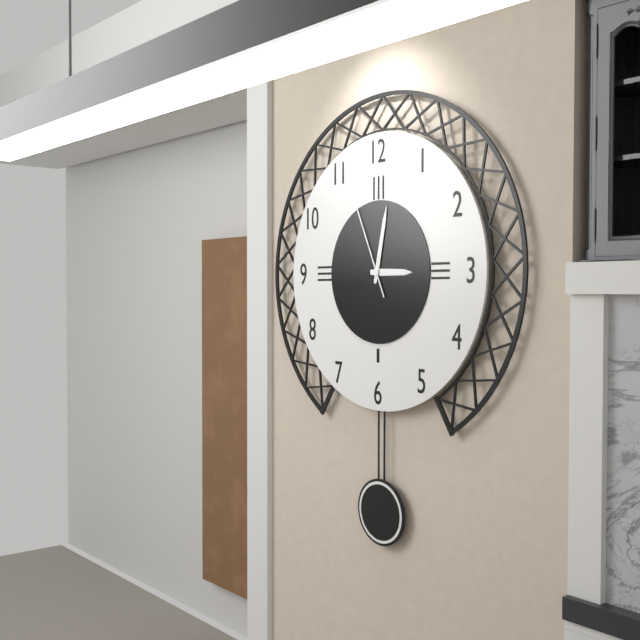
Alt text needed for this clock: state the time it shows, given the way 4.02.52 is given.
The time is 3.02.56
